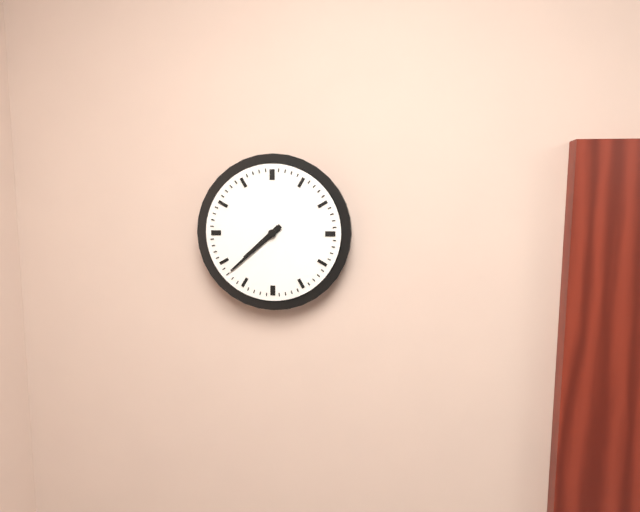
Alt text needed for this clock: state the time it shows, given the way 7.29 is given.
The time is 7.38
